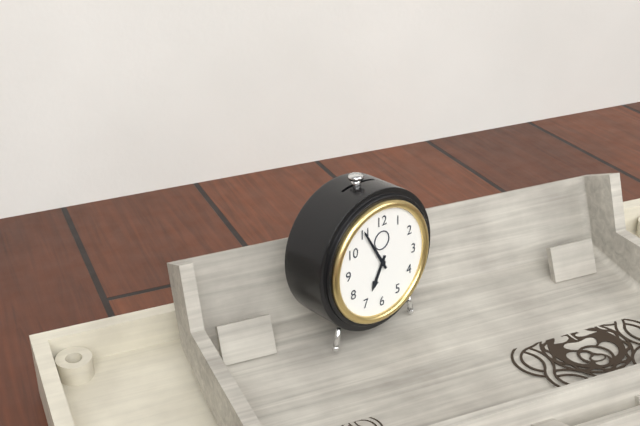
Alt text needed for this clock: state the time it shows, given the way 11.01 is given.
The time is 6.55
